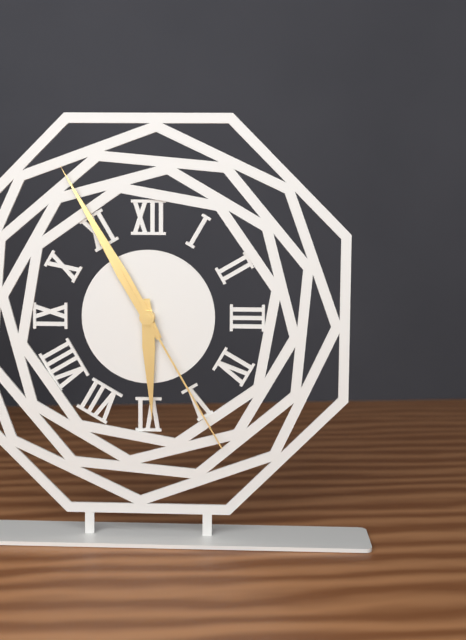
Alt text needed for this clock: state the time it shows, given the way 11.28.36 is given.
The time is 5.55.25
